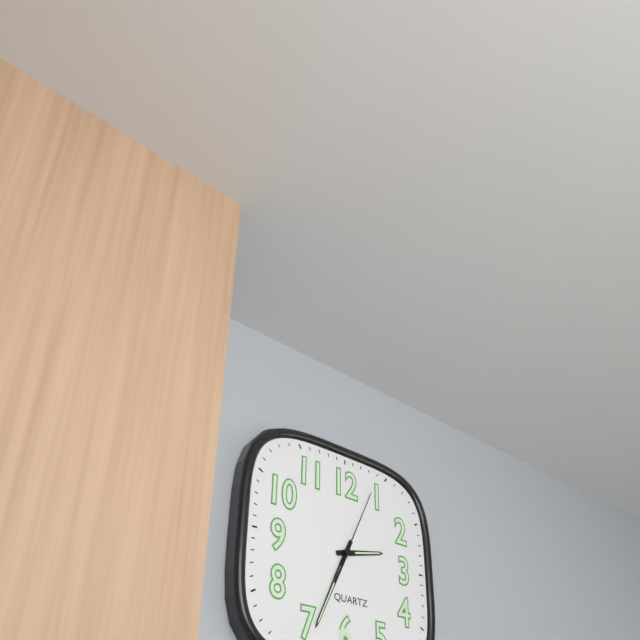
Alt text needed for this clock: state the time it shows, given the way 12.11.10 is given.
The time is 2.34.04
